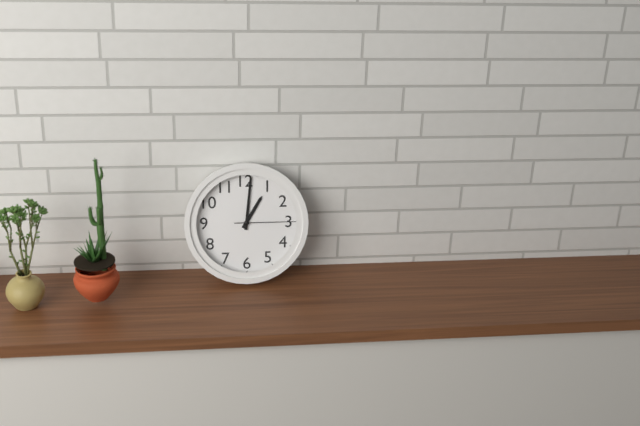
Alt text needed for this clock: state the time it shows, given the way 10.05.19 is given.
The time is 1.01.15
